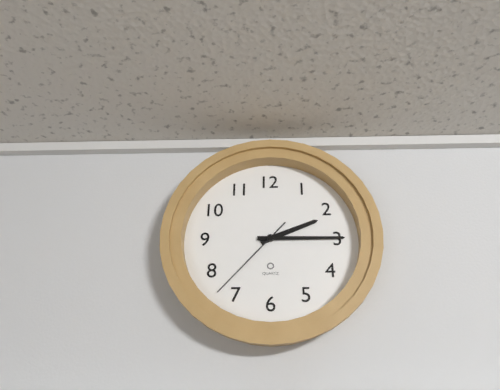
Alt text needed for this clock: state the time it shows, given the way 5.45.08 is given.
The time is 2.15.37
